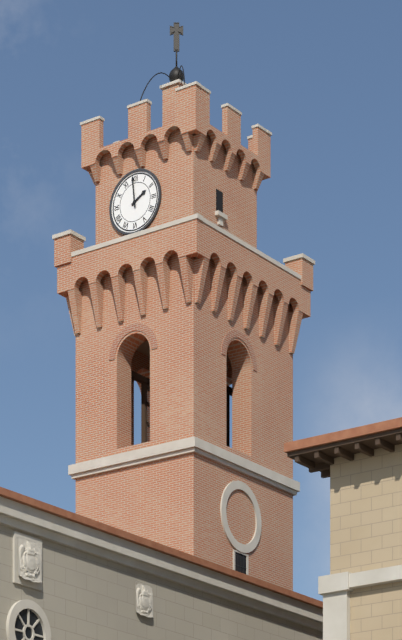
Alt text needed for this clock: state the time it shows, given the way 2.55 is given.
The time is 1.59
